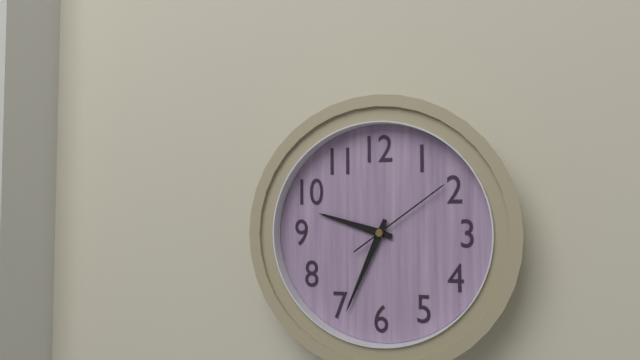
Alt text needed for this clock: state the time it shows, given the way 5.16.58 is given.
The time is 9.34.09
